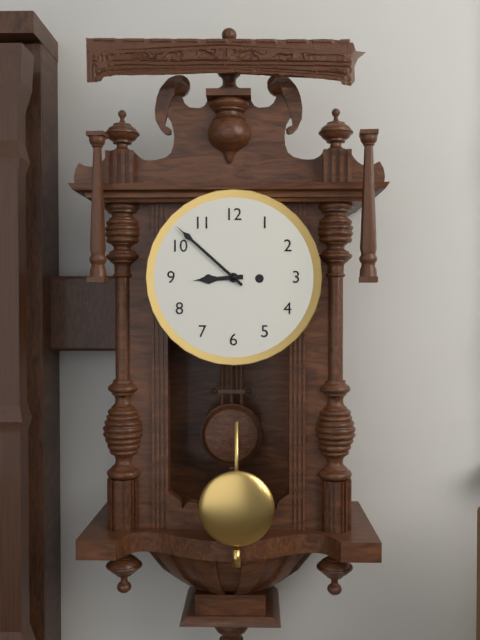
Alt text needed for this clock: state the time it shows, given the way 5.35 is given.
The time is 8.52
